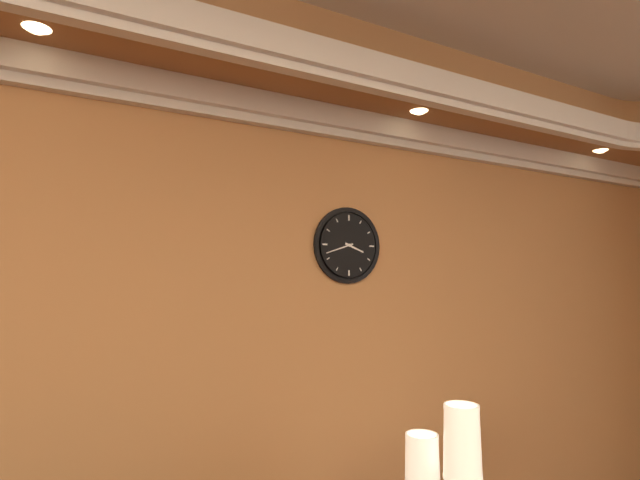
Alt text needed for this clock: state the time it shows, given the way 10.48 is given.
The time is 3.42
